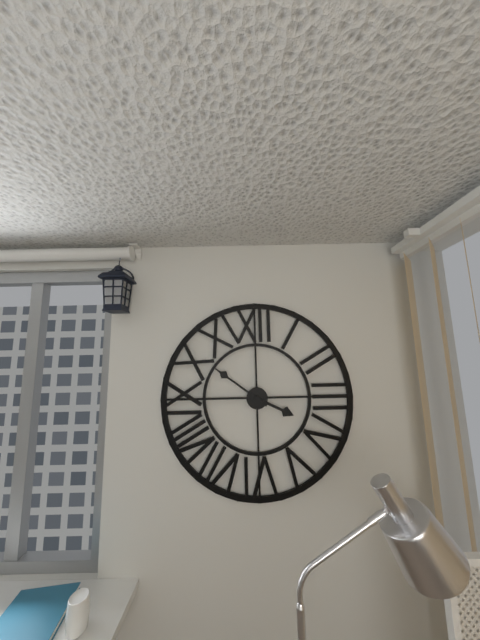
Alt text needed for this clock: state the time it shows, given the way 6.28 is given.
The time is 3.51
